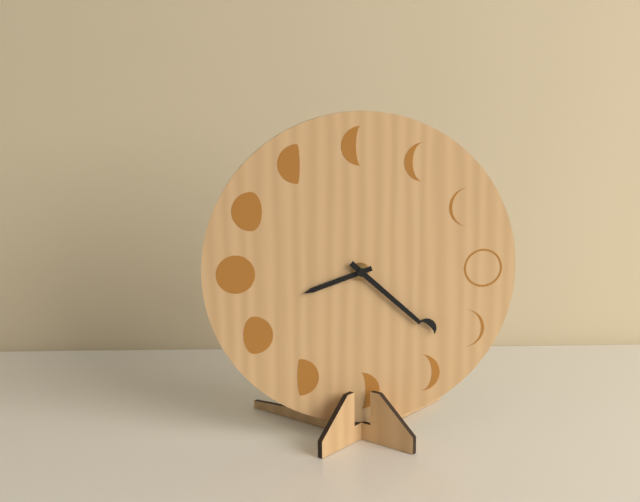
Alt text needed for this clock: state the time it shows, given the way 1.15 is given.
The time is 8.22
